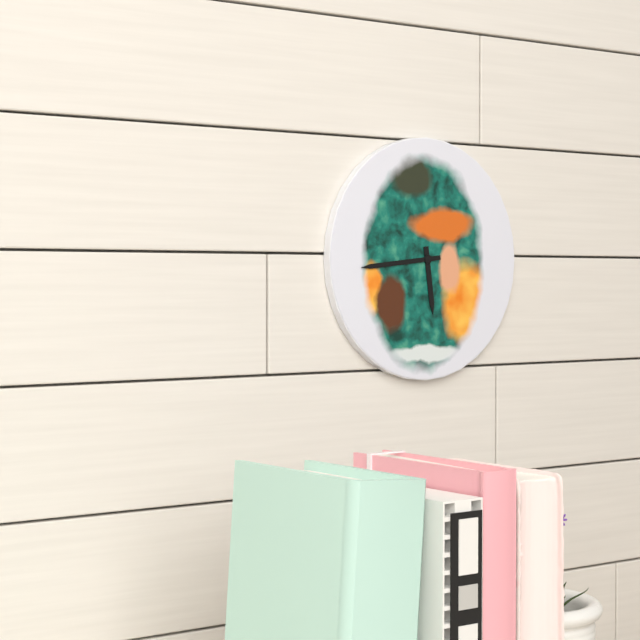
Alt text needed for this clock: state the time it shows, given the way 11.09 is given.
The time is 5.44
